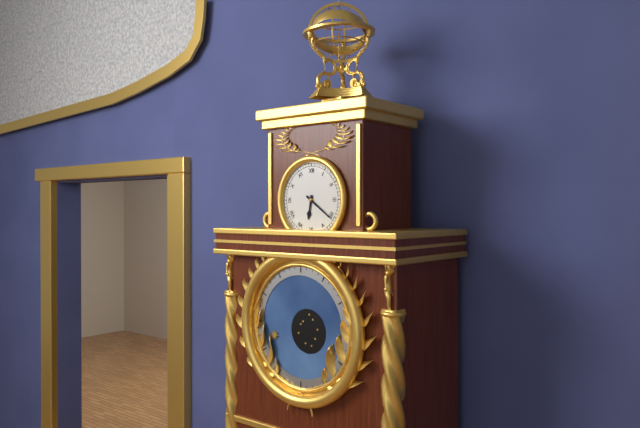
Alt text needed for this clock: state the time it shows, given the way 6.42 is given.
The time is 6.21
